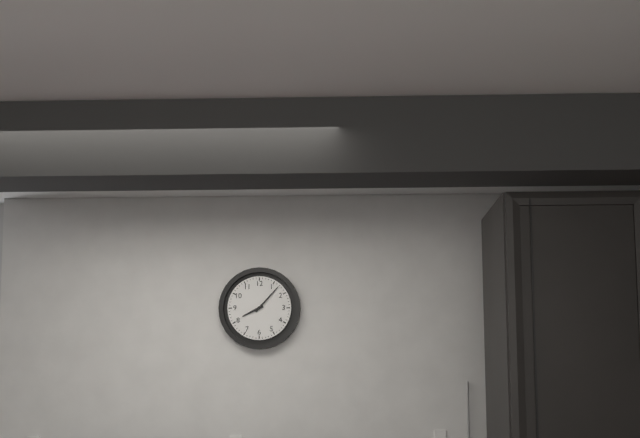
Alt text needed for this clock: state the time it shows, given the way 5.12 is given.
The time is 8.07
